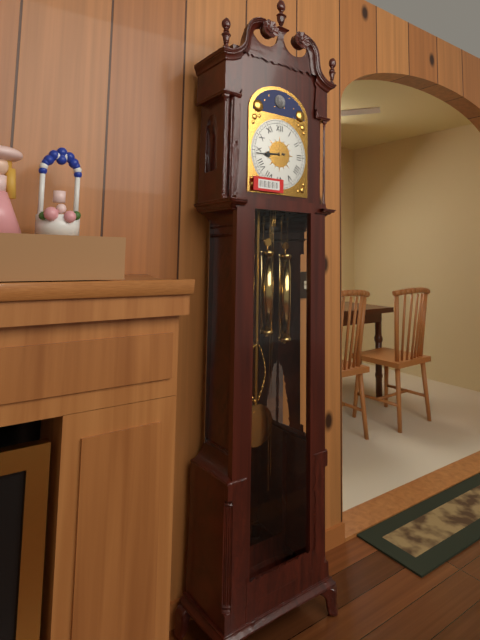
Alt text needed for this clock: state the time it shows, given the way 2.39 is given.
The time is 8.44
